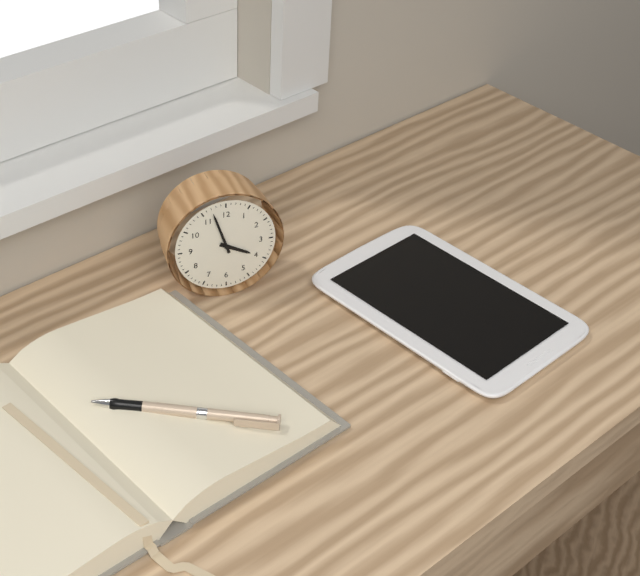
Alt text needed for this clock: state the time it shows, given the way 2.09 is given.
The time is 3.57
